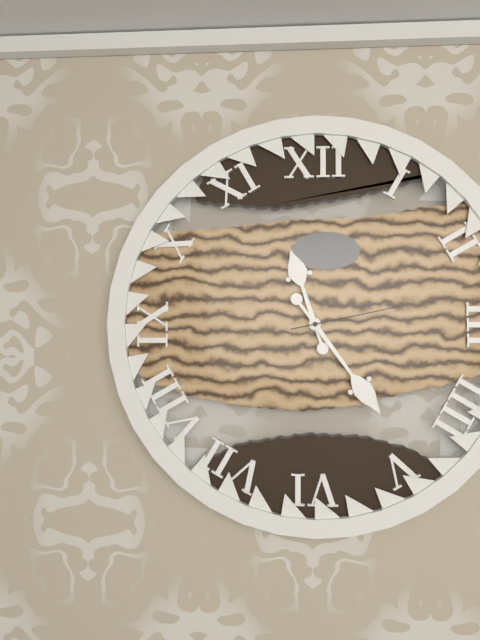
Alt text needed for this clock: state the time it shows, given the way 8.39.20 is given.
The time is 11.24.13
